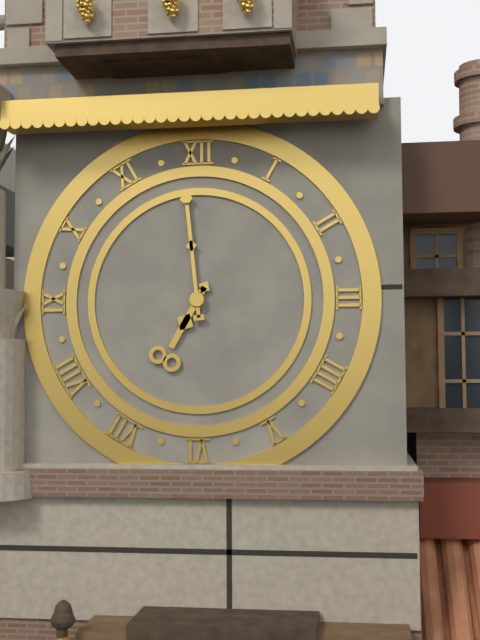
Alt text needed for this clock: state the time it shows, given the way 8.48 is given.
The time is 6.59
